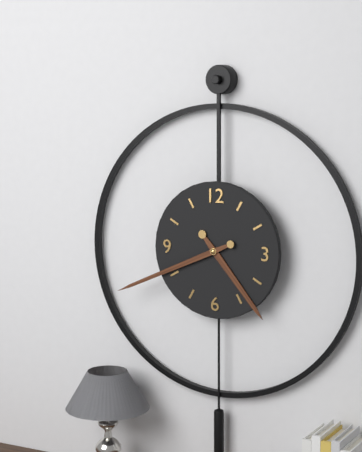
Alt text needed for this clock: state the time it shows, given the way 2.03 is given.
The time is 4.41
